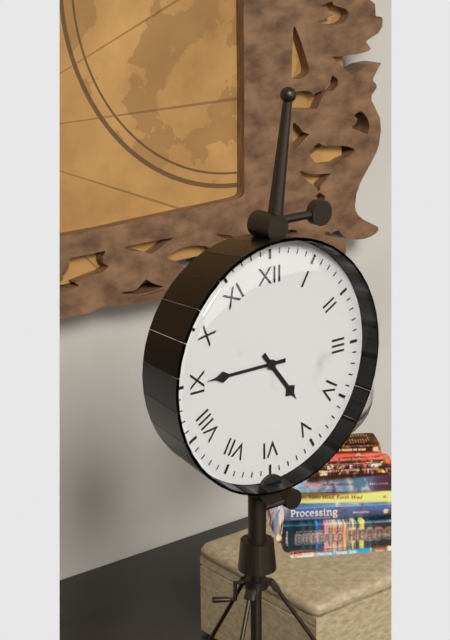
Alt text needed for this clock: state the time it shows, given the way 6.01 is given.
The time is 4.45
